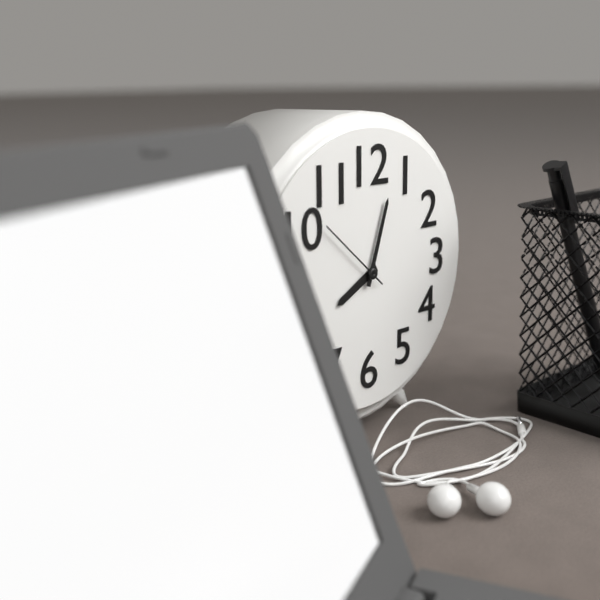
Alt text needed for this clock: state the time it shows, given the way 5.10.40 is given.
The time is 8.03.52
